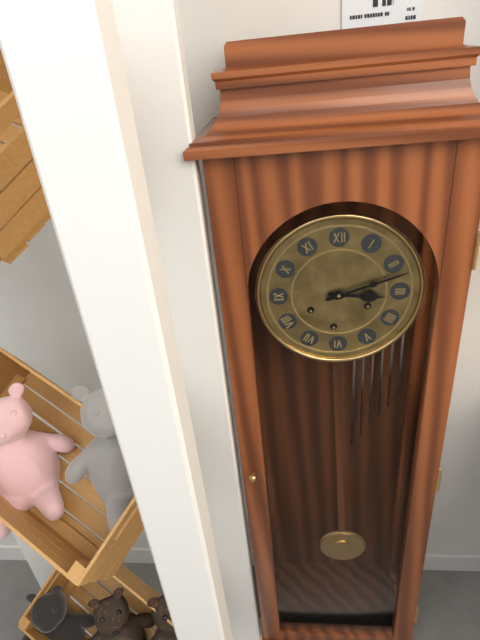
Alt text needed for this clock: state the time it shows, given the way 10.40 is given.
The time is 3.12
